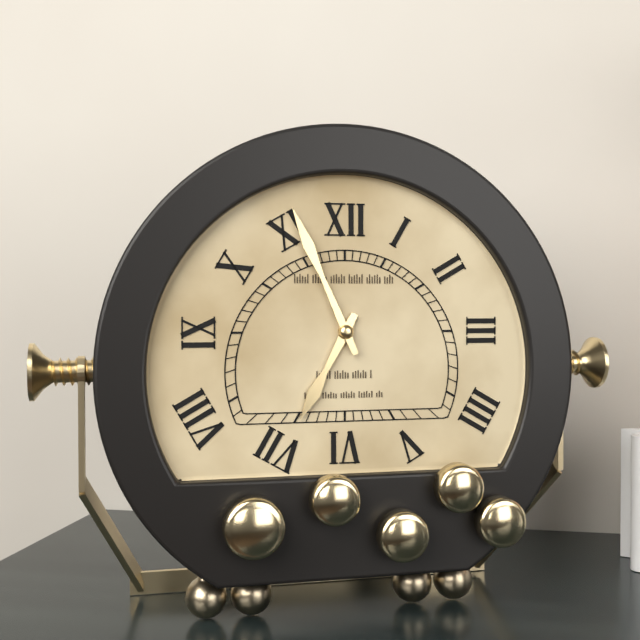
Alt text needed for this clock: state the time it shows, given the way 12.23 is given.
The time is 6.56
